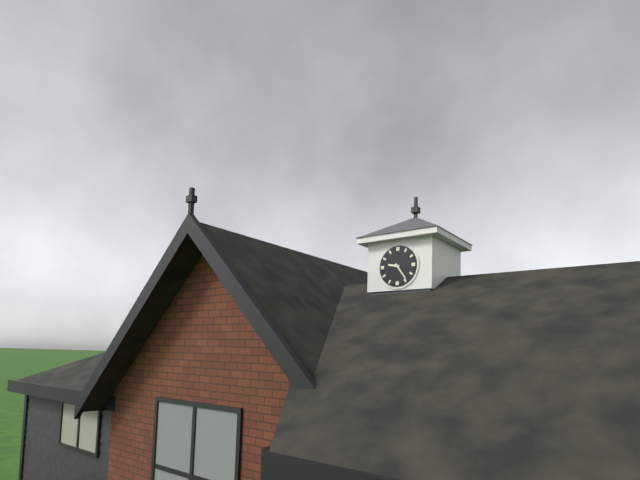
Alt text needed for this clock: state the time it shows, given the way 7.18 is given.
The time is 9.24
